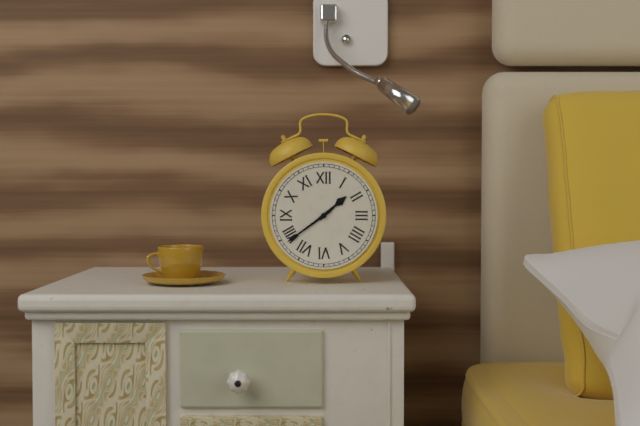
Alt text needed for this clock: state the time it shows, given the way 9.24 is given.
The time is 1.39
